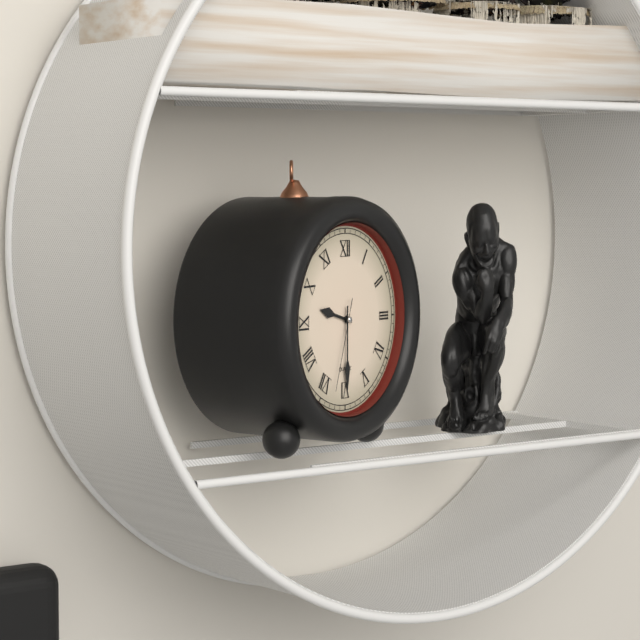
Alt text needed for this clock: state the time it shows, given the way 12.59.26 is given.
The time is 9.30.33
